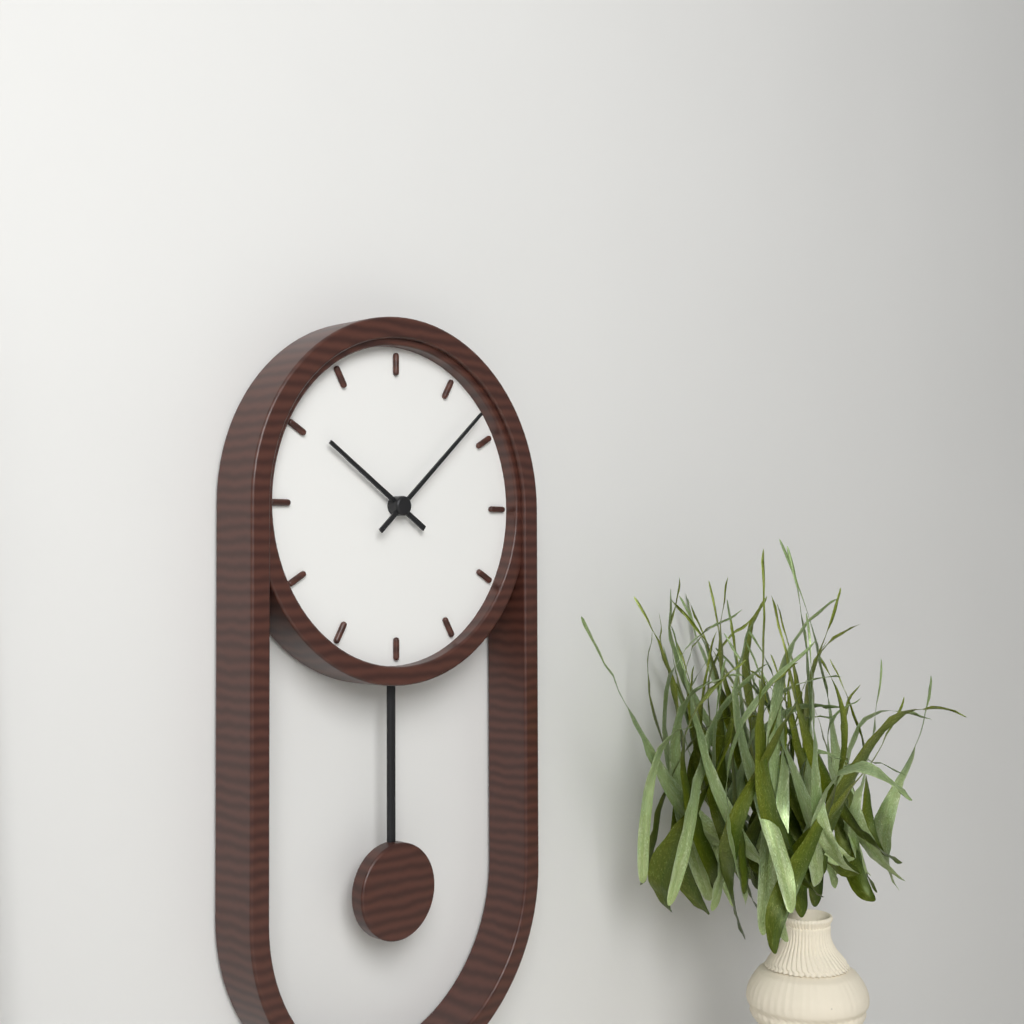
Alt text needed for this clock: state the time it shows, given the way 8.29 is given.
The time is 10.08
